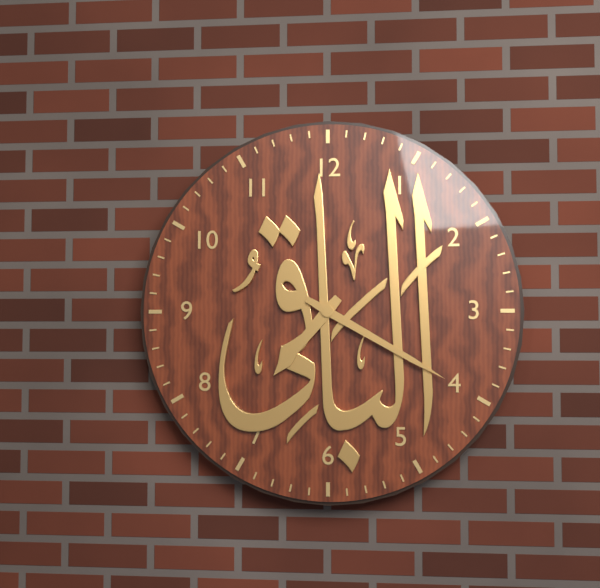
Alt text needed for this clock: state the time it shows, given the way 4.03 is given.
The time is 7.20
